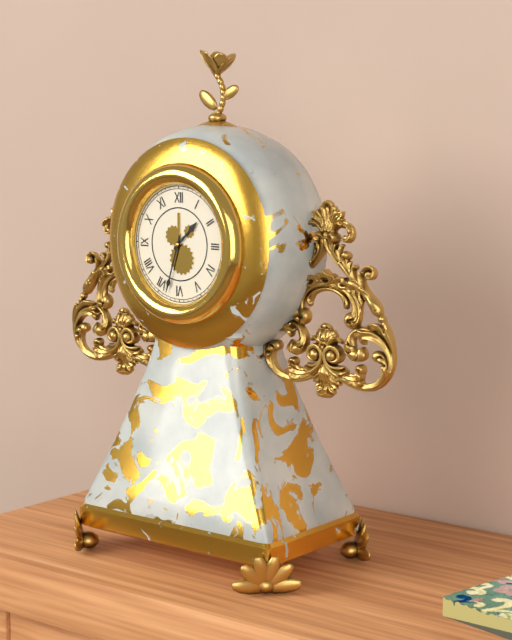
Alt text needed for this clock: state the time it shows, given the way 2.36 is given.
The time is 1.33
